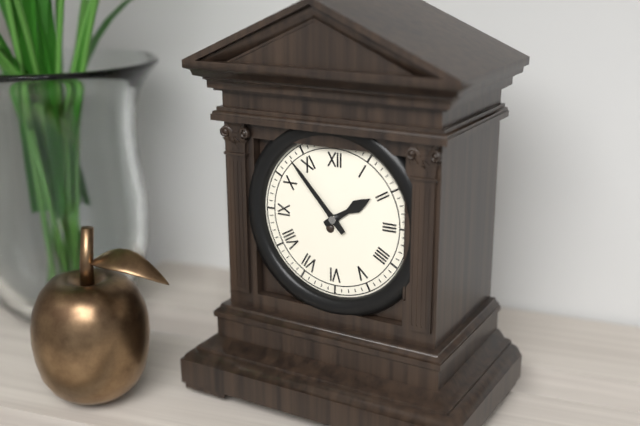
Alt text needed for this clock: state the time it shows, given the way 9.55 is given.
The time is 1.53
